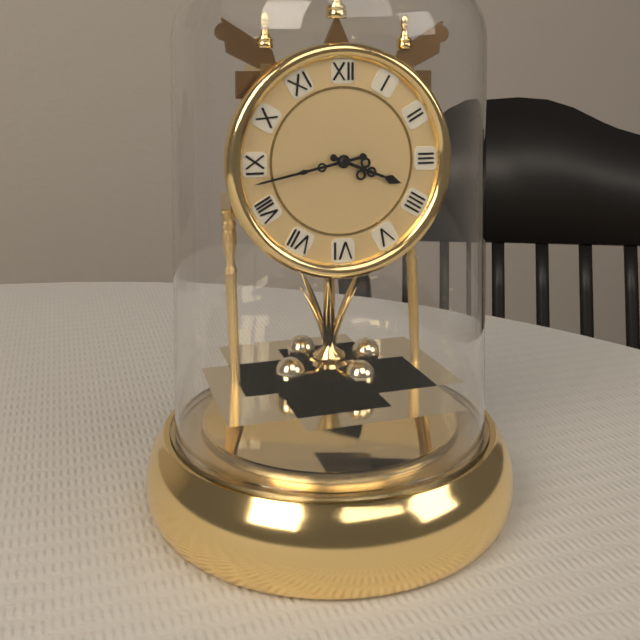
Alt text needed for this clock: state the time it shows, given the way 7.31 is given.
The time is 3.43
